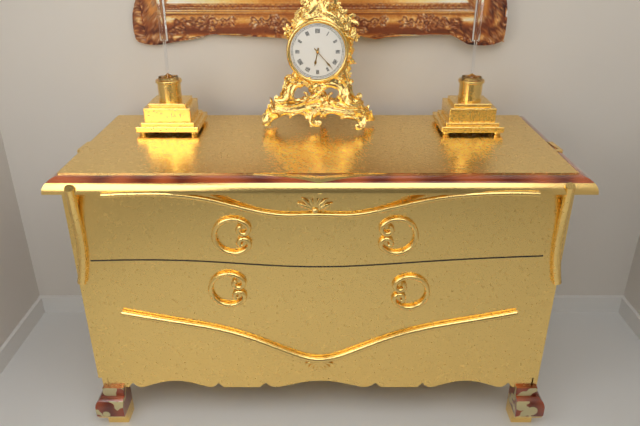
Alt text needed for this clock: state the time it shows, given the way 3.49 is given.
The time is 6.23
